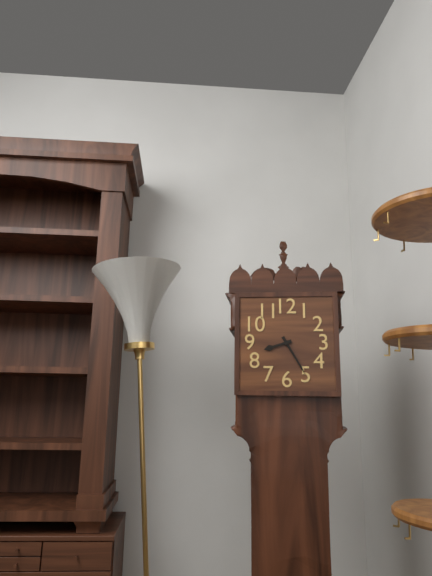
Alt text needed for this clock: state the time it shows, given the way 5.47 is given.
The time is 8.25
